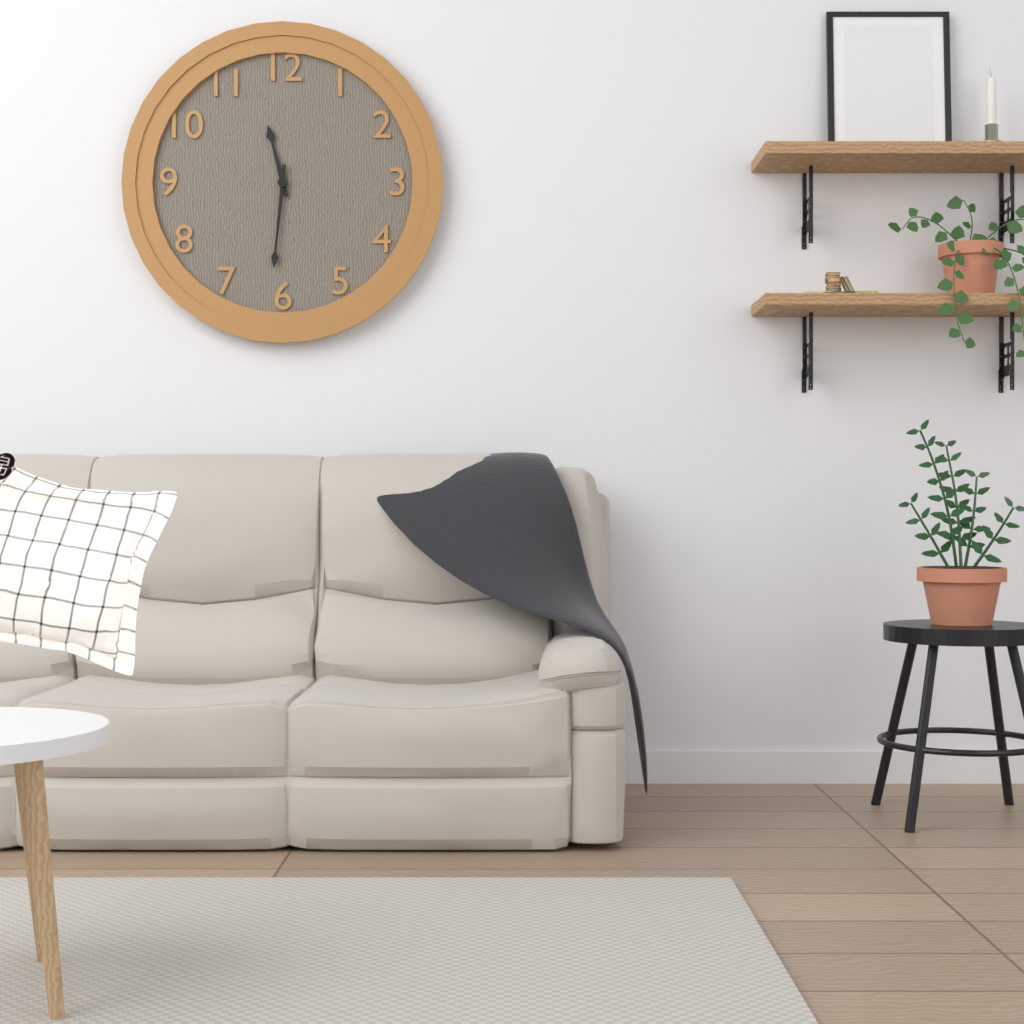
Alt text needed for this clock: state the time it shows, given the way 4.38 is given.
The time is 11.31
